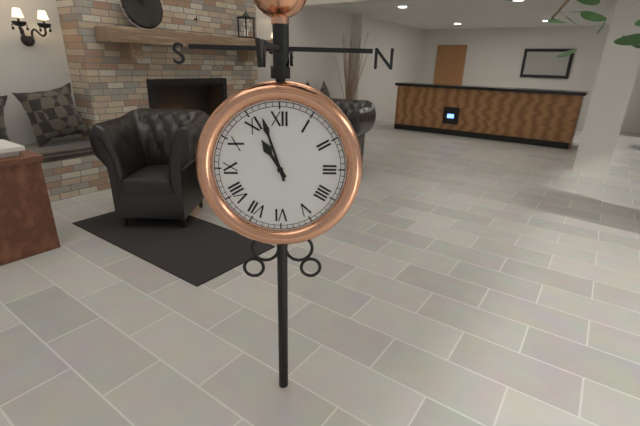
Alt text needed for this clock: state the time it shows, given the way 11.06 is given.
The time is 10.57
